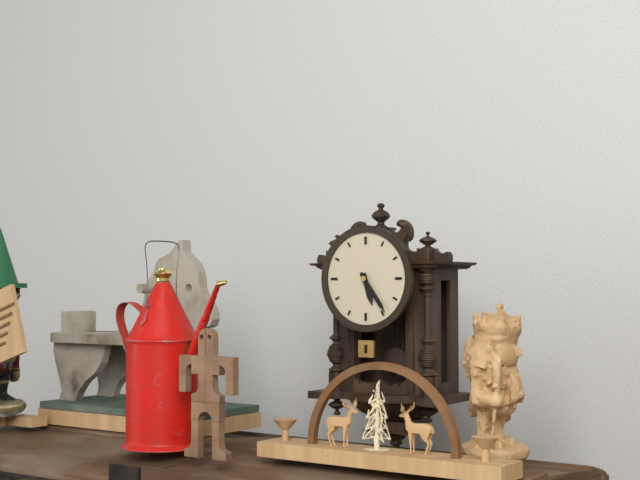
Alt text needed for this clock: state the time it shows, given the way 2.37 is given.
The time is 5.24
